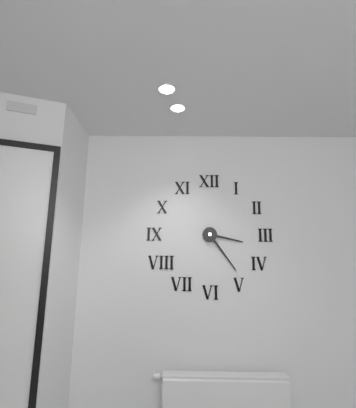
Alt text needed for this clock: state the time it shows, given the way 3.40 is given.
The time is 3.24
